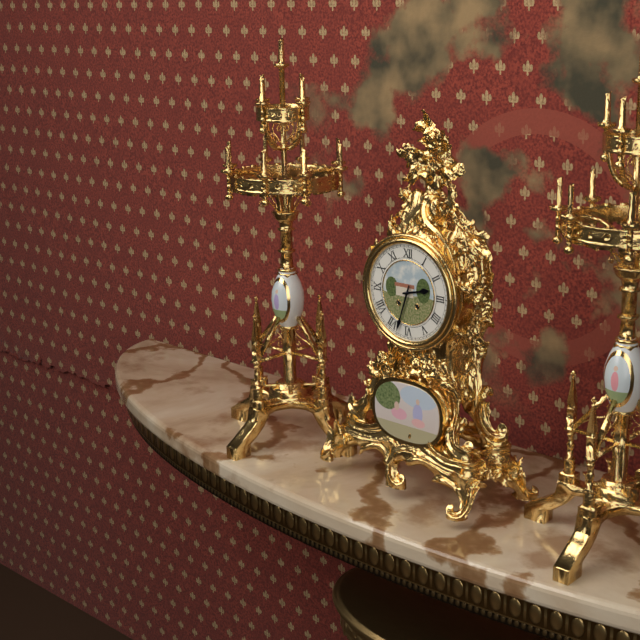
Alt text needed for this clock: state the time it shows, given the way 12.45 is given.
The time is 2.33
